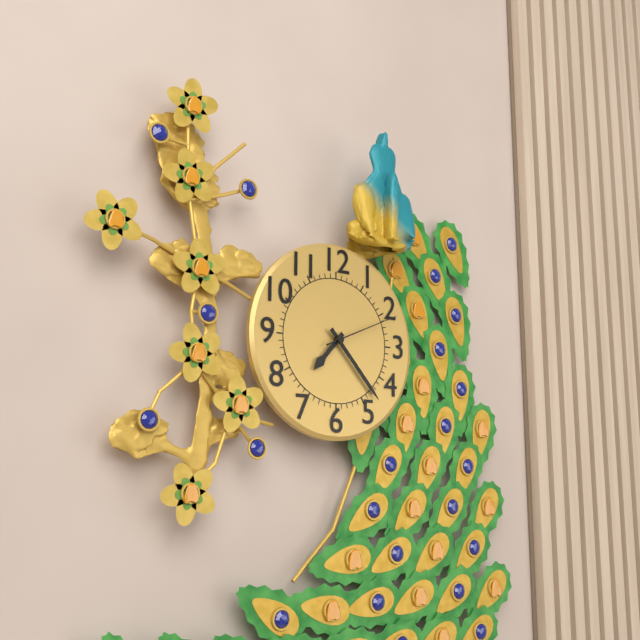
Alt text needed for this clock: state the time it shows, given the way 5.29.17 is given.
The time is 7.23.11
